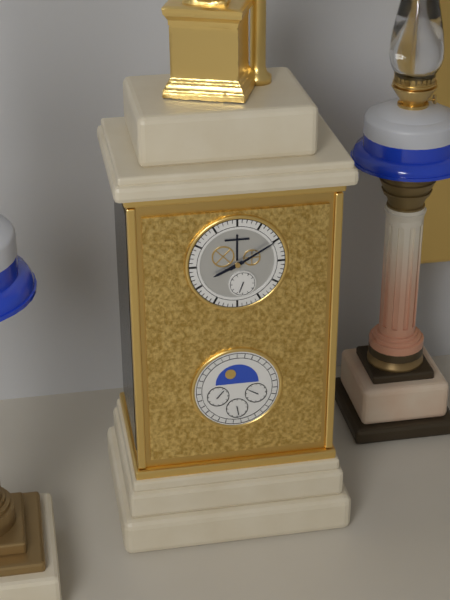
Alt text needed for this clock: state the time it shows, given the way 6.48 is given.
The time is 8.10
